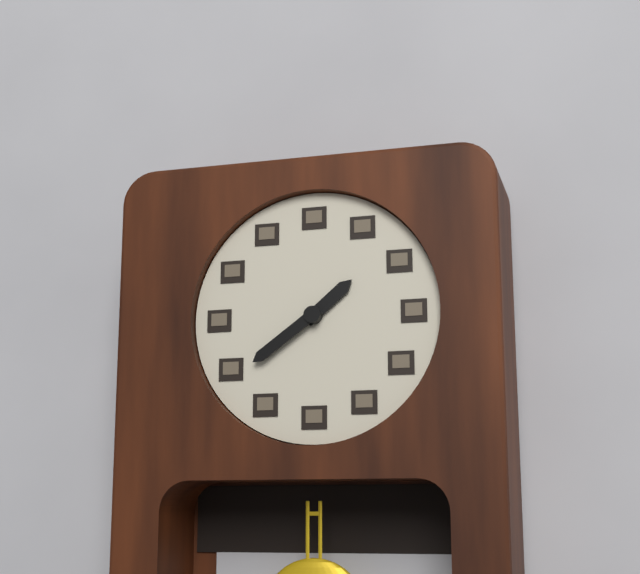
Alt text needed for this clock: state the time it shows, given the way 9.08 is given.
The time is 1.39
